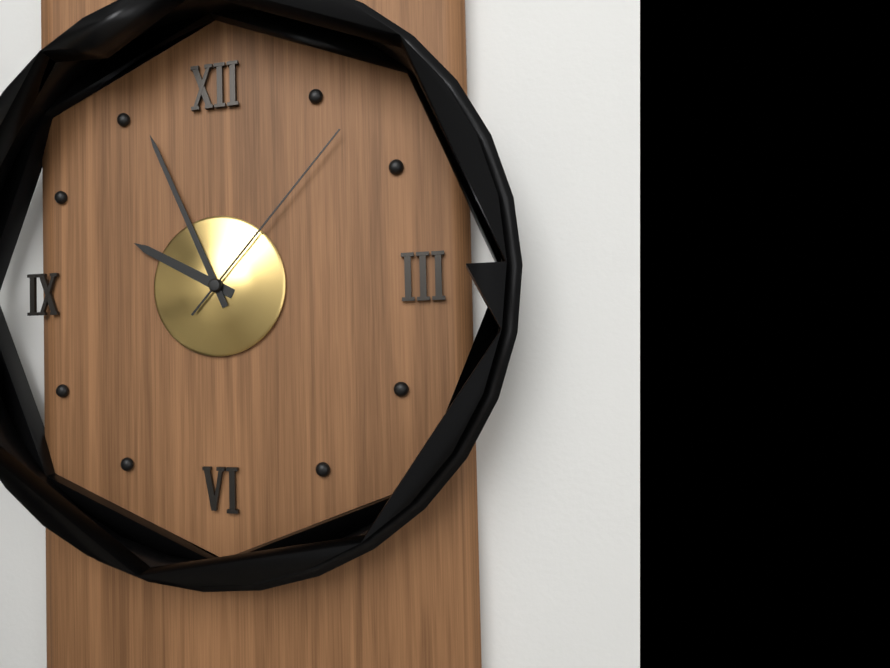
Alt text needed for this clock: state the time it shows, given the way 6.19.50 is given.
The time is 9.56.07
